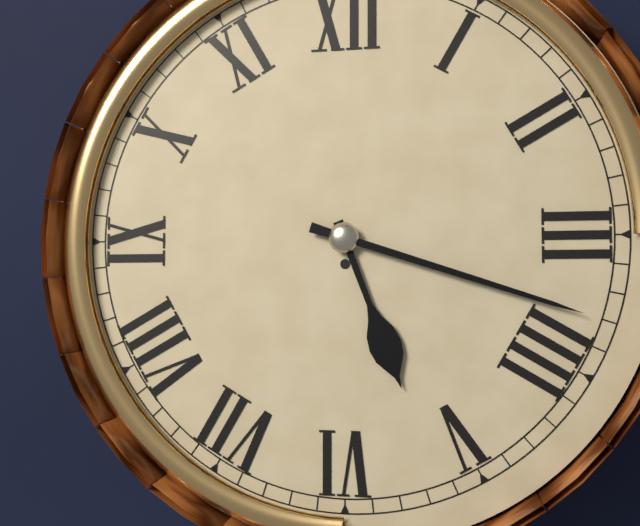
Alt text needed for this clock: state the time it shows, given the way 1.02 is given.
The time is 5.18
